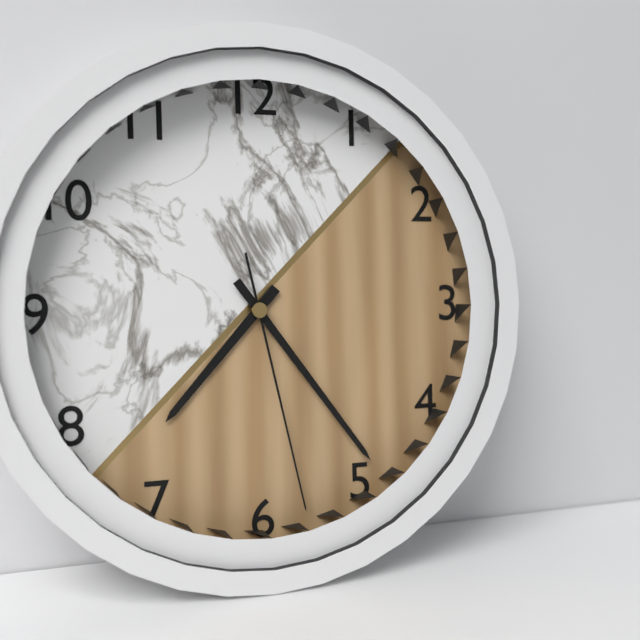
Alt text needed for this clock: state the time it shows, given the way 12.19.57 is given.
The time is 7.24.28
